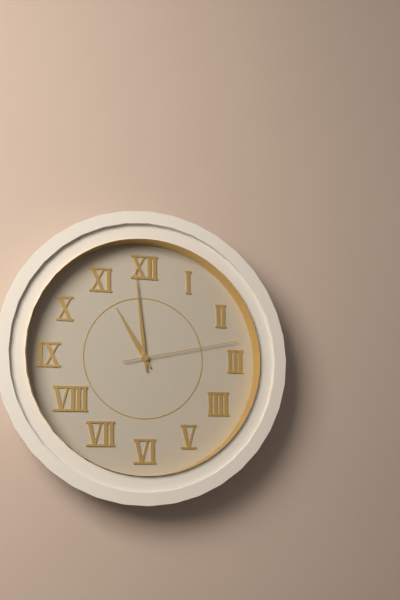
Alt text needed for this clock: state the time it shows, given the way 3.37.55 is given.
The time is 10.59.13
